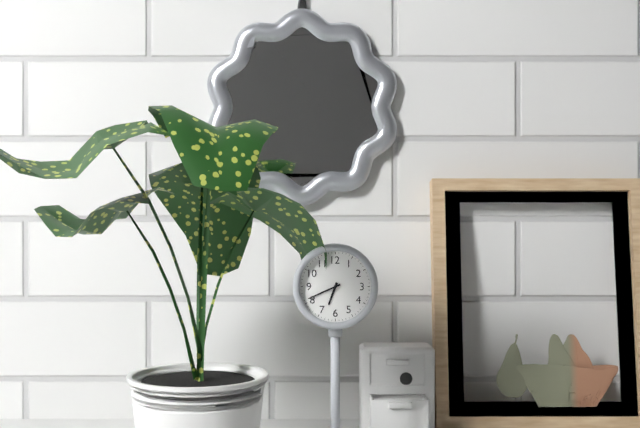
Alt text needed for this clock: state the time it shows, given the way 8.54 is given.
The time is 6.41
